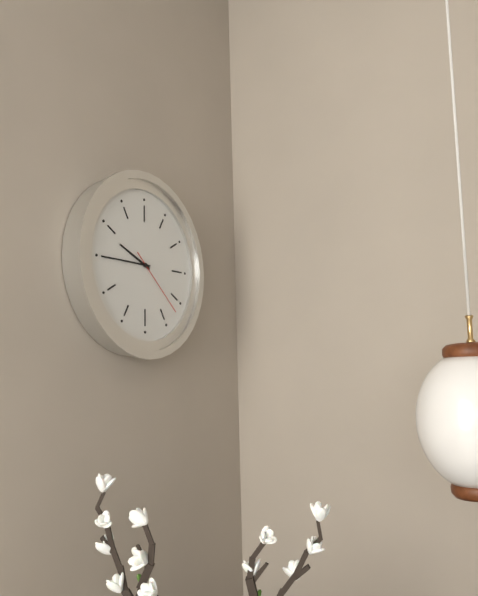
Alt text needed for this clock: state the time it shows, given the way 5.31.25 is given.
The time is 9.45.22
